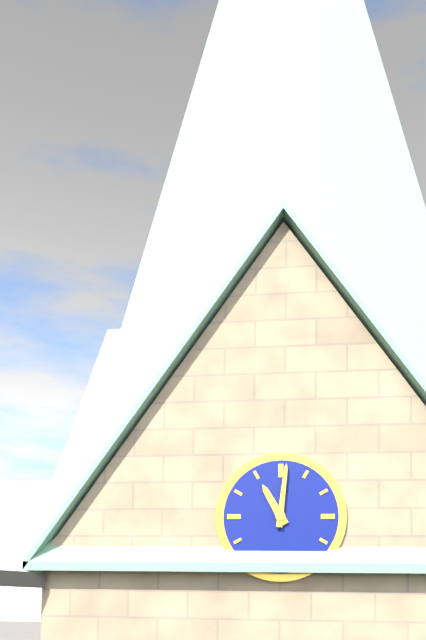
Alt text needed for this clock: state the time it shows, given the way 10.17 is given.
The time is 11.01
